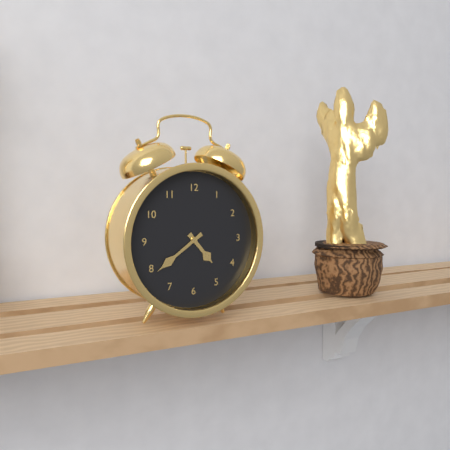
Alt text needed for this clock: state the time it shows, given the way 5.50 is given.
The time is 4.39
